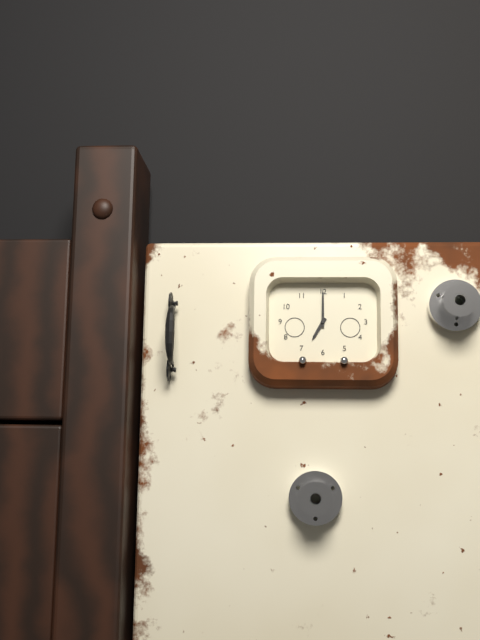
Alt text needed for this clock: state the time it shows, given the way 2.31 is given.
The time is 7.00
